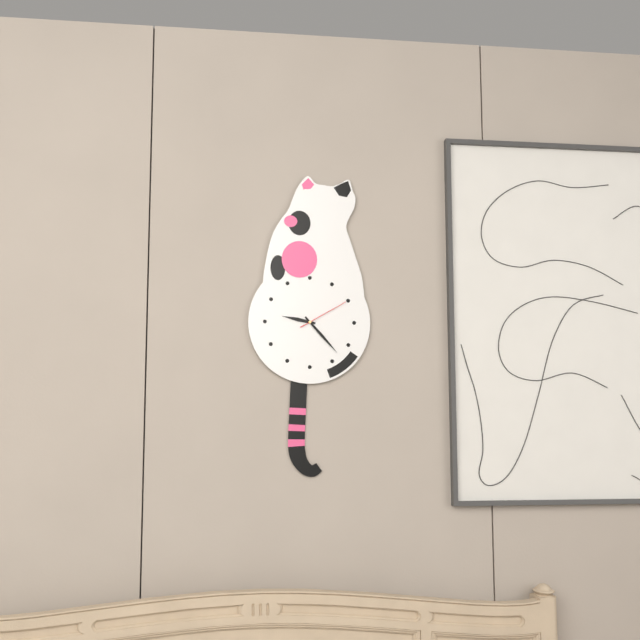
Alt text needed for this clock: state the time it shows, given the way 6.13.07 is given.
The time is 9.23.10
